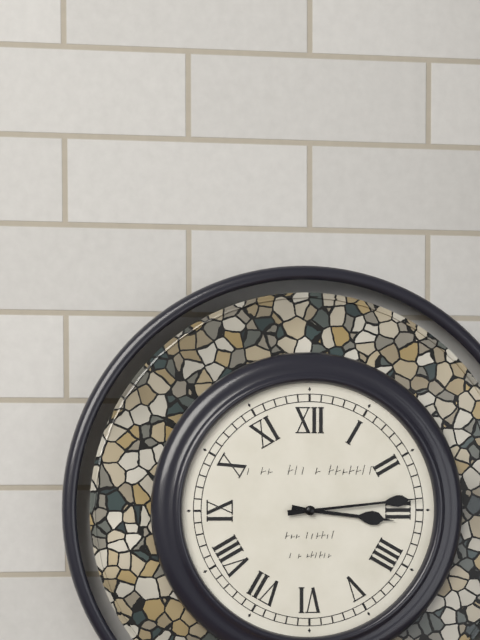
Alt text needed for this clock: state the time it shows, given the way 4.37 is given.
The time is 3.14
